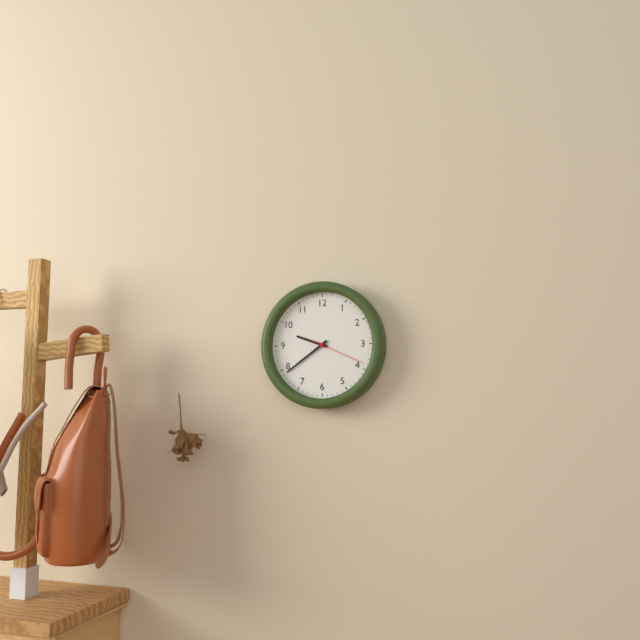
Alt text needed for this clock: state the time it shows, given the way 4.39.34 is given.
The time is 9.39.19
